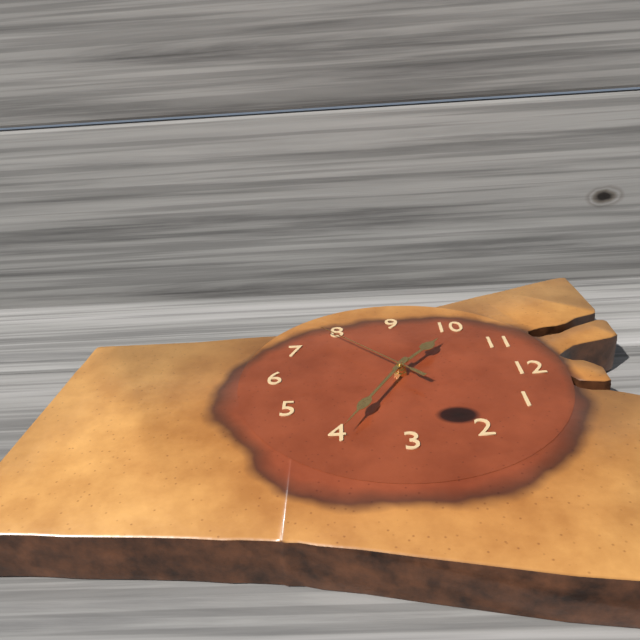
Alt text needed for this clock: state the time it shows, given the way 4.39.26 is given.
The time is 10.20.38
